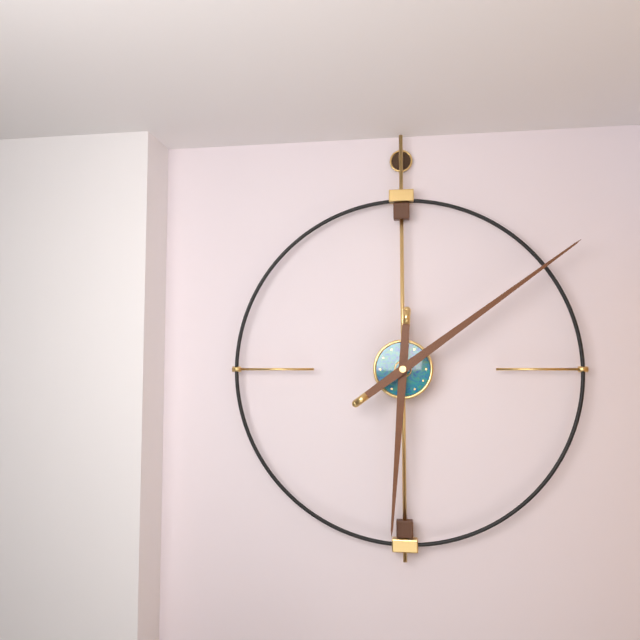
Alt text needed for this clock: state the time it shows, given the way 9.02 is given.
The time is 6.09
